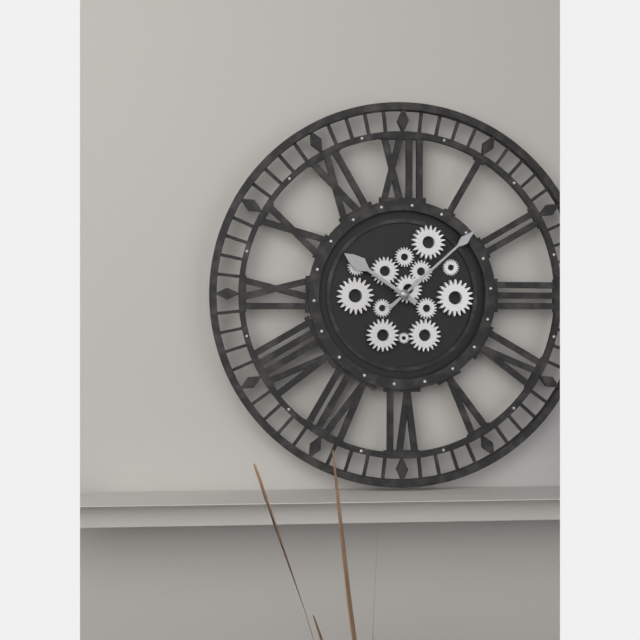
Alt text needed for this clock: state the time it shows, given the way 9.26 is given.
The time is 10.08
